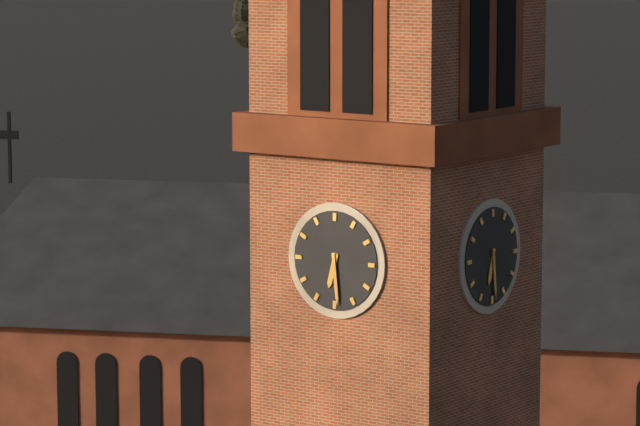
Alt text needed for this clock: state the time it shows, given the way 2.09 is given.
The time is 6.29
